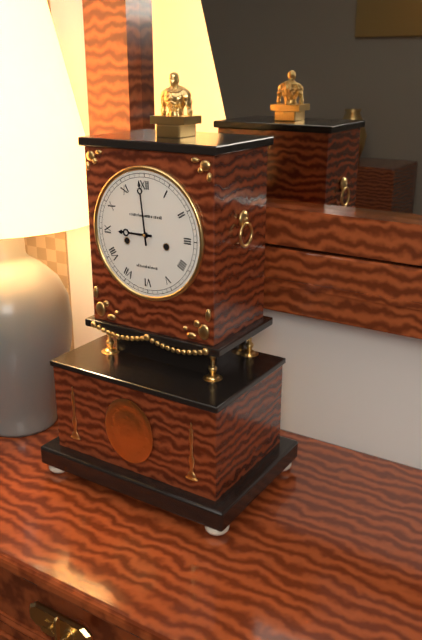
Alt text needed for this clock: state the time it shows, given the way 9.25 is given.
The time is 8.59
